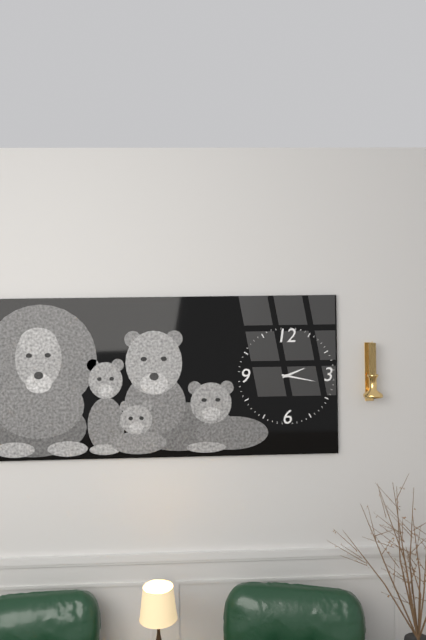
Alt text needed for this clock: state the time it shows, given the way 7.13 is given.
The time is 2.17
